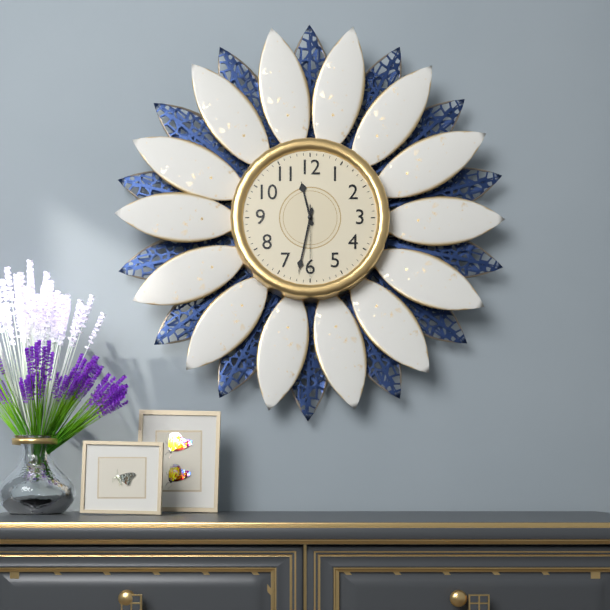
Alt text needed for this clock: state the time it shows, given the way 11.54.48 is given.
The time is 11.32.30
